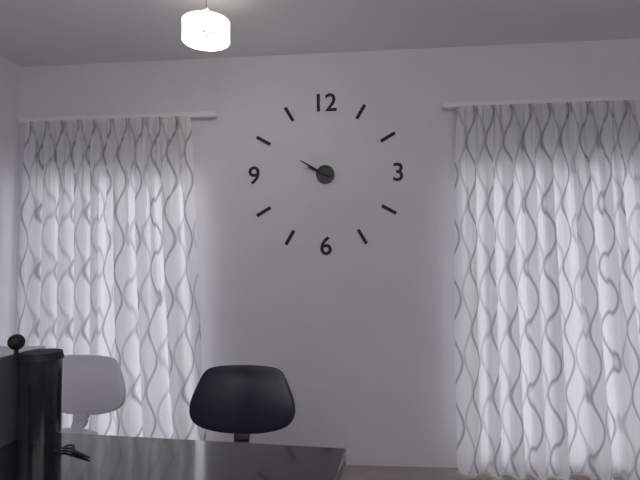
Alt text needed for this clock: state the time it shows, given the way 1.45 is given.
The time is 9.50
